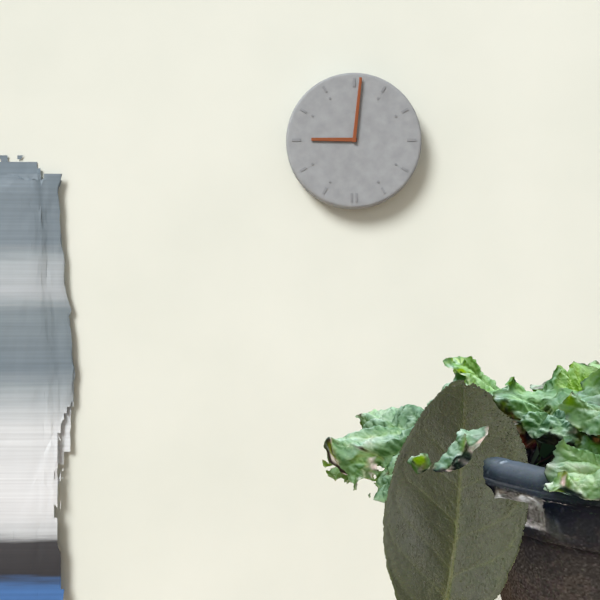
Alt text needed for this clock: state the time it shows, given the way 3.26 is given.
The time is 9.01
